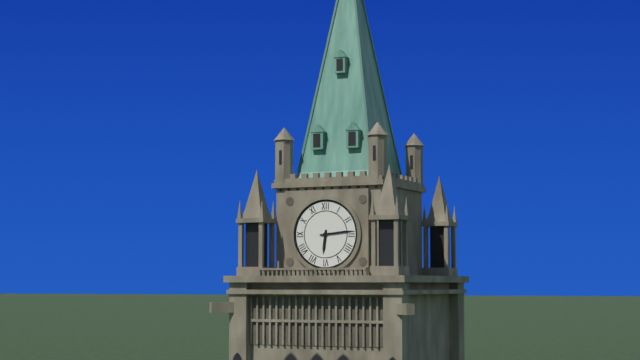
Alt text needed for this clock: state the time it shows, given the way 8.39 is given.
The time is 6.14
